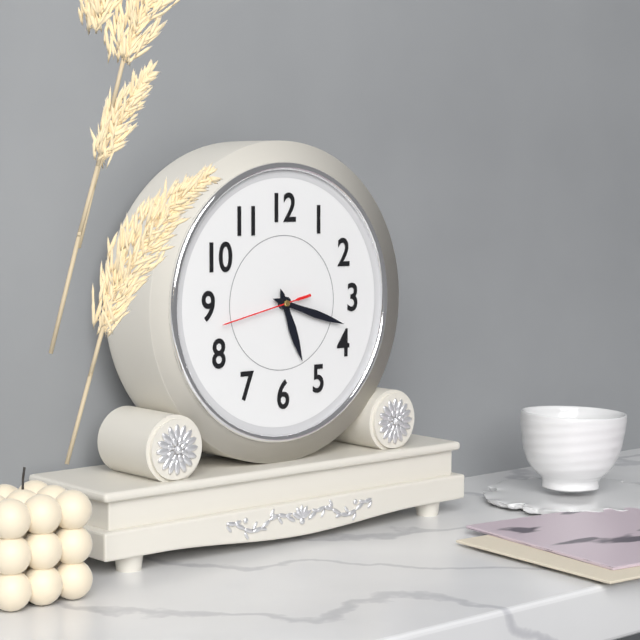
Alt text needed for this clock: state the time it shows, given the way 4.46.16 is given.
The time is 5.18.43
